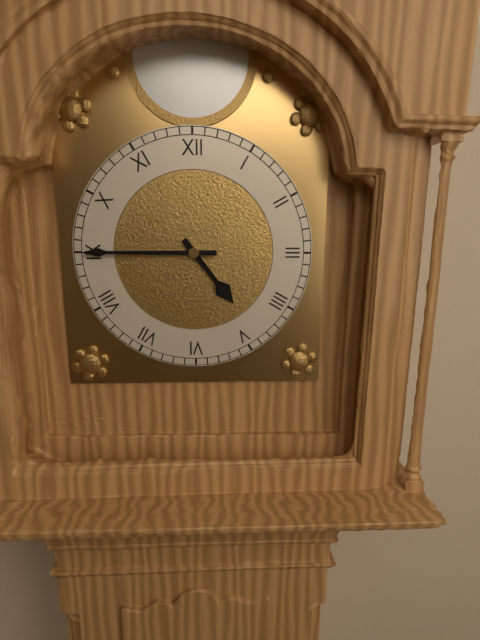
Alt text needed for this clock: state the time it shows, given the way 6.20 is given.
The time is 4.45
